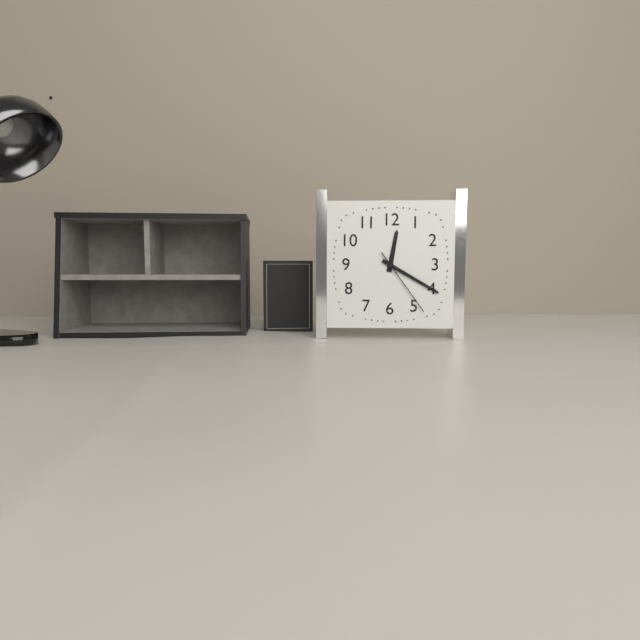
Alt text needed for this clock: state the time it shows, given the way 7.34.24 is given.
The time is 12.20.24
